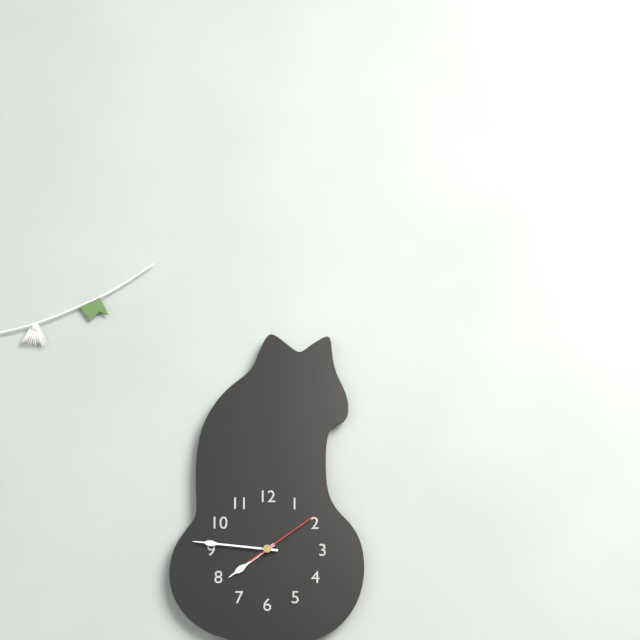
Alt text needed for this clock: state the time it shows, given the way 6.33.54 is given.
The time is 7.46.09
